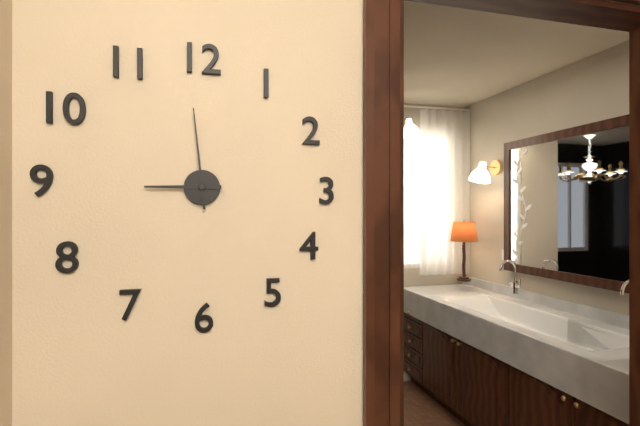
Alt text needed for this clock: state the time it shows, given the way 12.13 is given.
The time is 8.59
